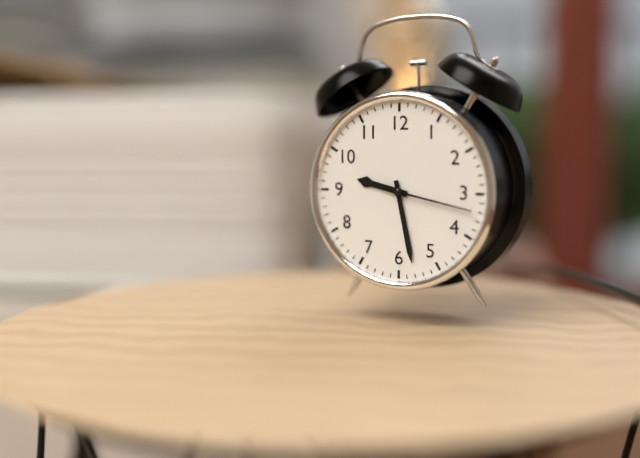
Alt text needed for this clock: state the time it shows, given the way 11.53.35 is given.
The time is 9.28.17
